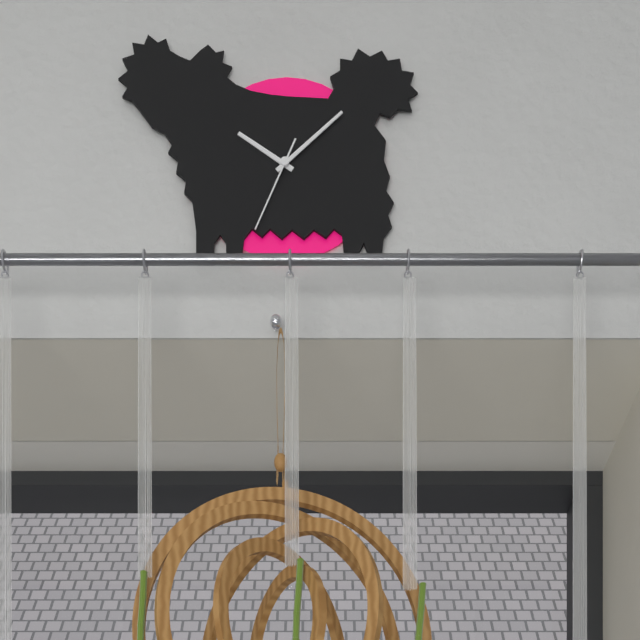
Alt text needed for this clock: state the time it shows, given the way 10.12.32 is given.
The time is 10.08.34
